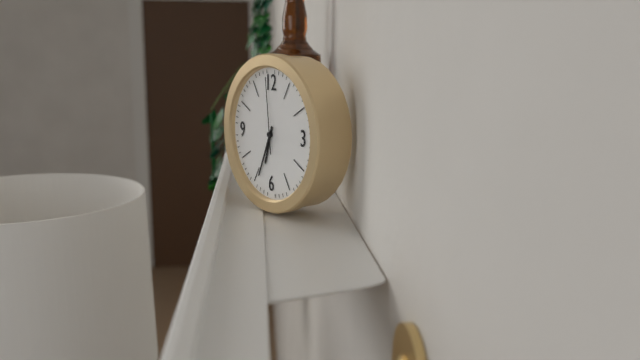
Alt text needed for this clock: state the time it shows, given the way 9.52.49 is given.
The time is 6.34.59
